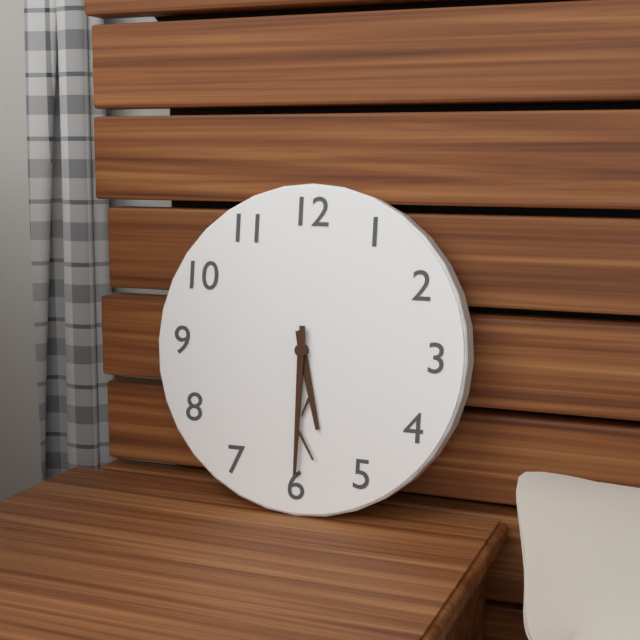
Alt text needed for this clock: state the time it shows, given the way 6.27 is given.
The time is 5.30
